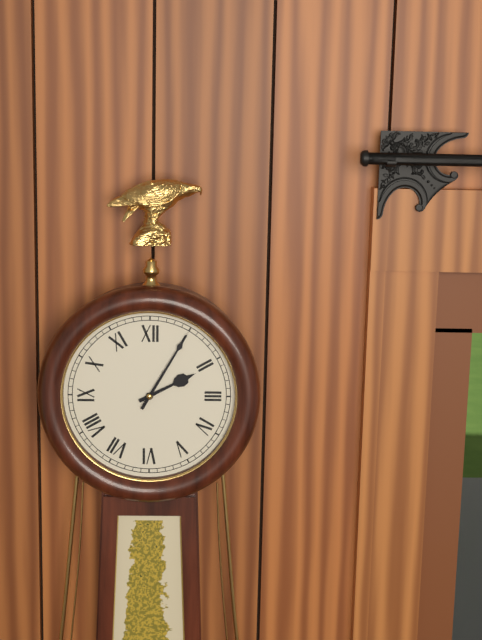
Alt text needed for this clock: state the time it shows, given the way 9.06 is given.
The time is 2.05
